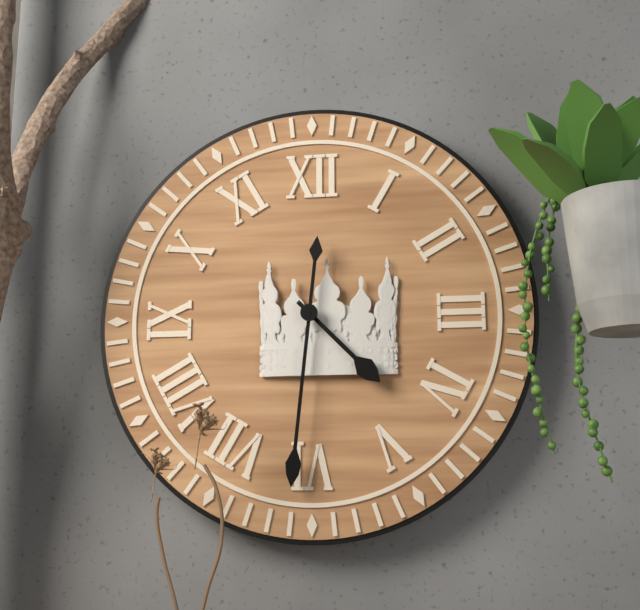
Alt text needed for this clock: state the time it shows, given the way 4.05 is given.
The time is 4.31
